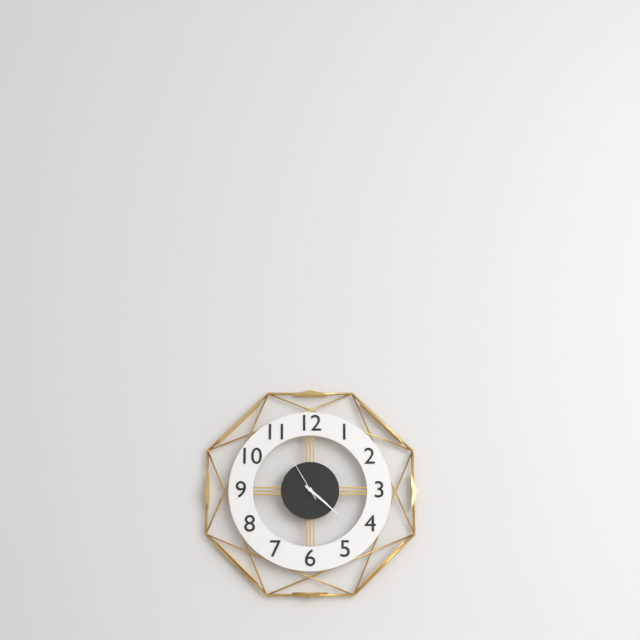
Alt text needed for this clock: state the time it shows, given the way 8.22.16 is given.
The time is 4.22.55
